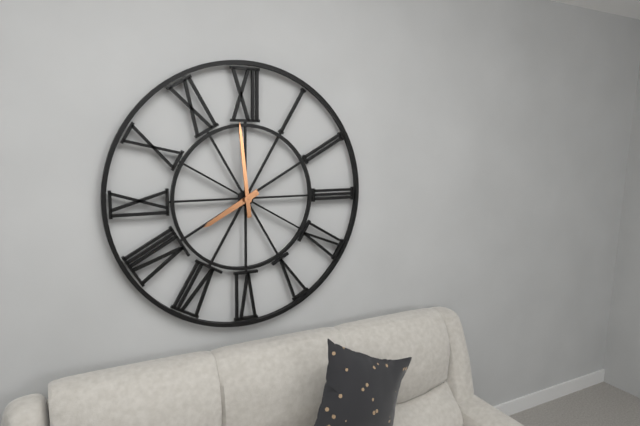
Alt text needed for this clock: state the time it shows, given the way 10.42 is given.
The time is 7.59
